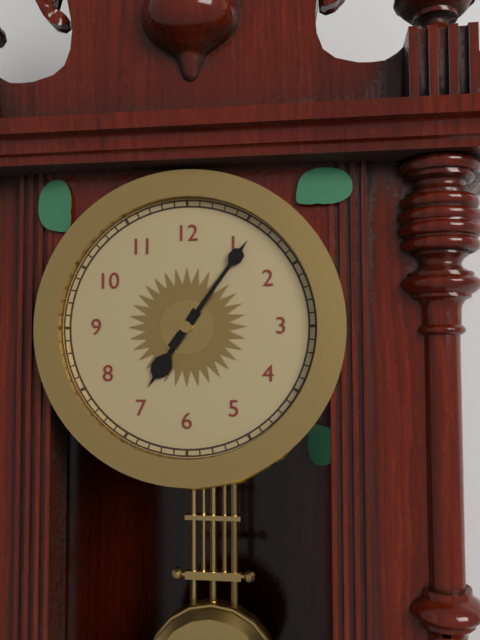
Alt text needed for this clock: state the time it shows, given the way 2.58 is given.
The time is 7.06
